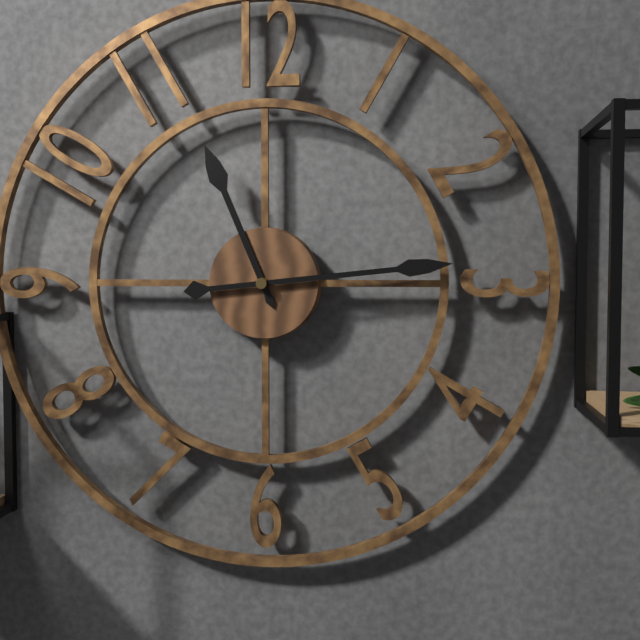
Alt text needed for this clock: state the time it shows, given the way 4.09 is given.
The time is 11.14
